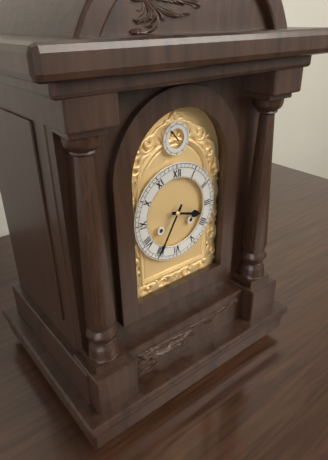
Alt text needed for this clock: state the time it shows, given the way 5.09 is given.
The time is 3.35
